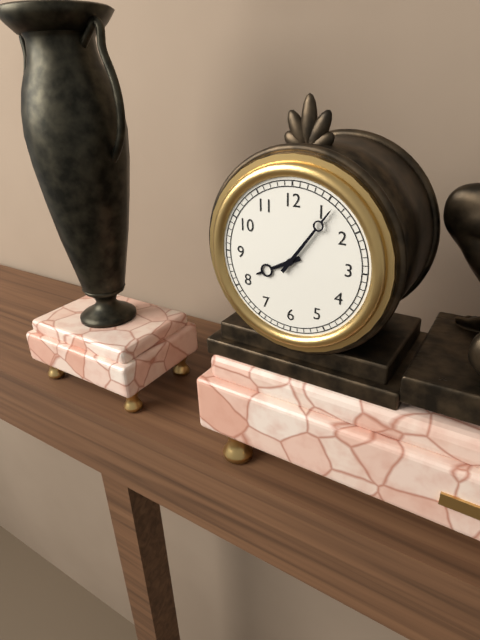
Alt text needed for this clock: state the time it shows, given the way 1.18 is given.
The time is 8.06
